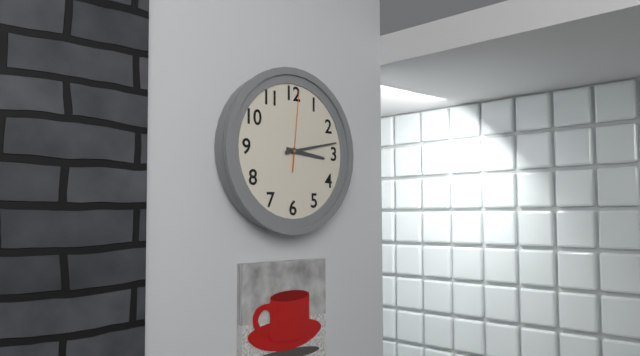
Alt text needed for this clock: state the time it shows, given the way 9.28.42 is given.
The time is 3.13.01
